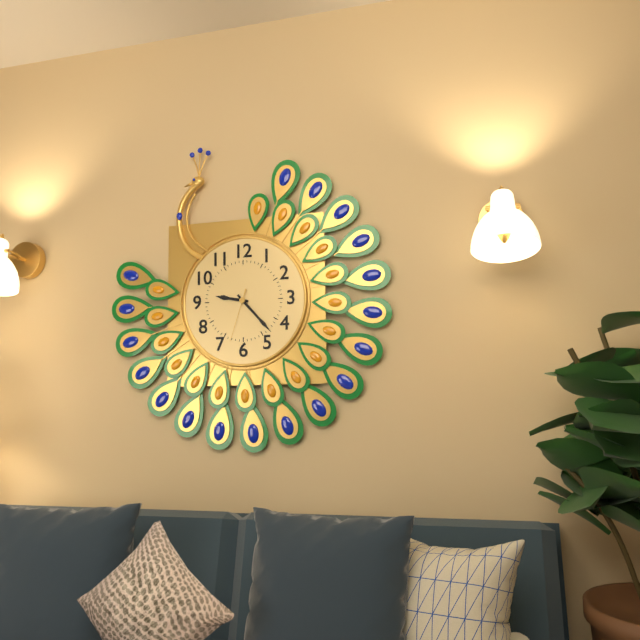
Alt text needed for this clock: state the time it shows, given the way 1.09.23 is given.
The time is 9.23.33
